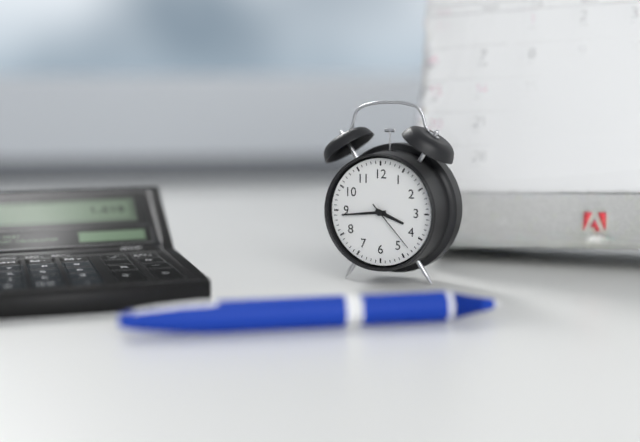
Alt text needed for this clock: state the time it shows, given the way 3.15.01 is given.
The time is 3.44.23
